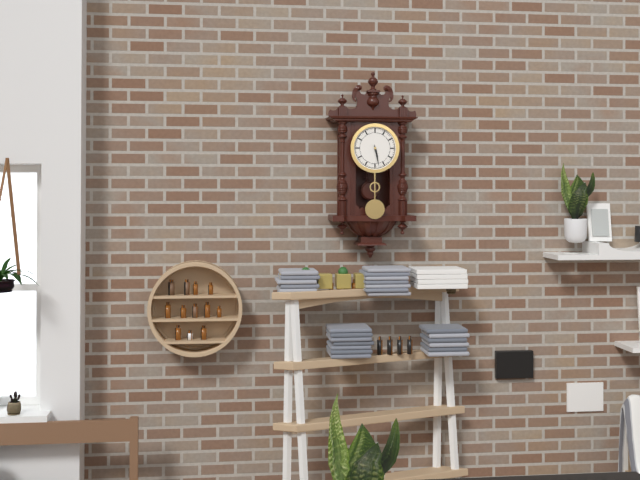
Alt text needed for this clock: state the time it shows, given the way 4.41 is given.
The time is 5.28
